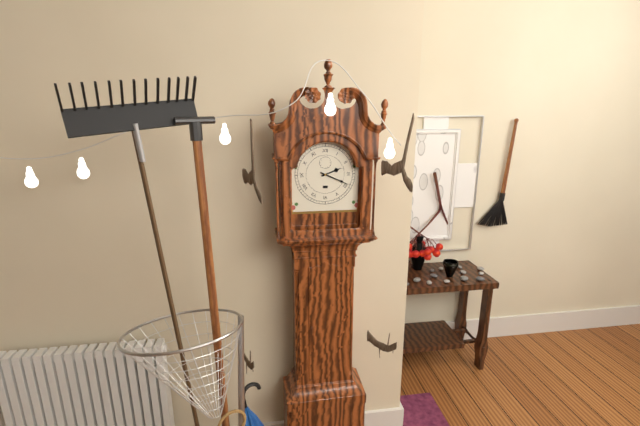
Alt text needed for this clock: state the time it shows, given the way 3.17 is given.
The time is 2.19
